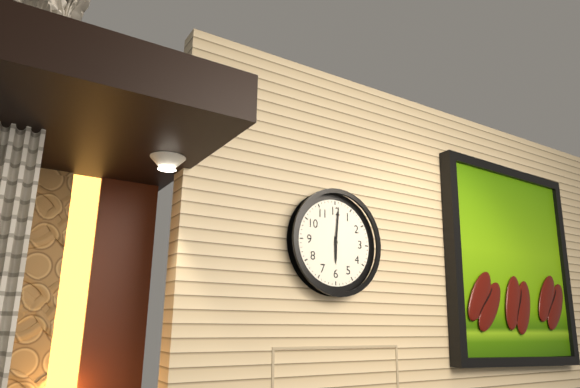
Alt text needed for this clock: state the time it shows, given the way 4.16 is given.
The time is 6.01
